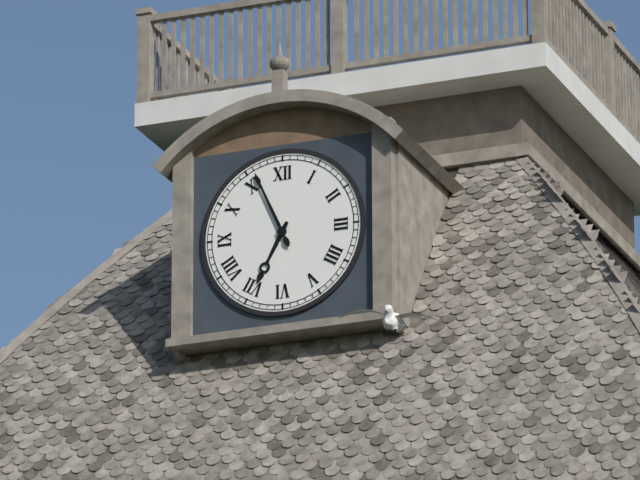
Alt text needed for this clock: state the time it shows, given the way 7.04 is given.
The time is 6.56
